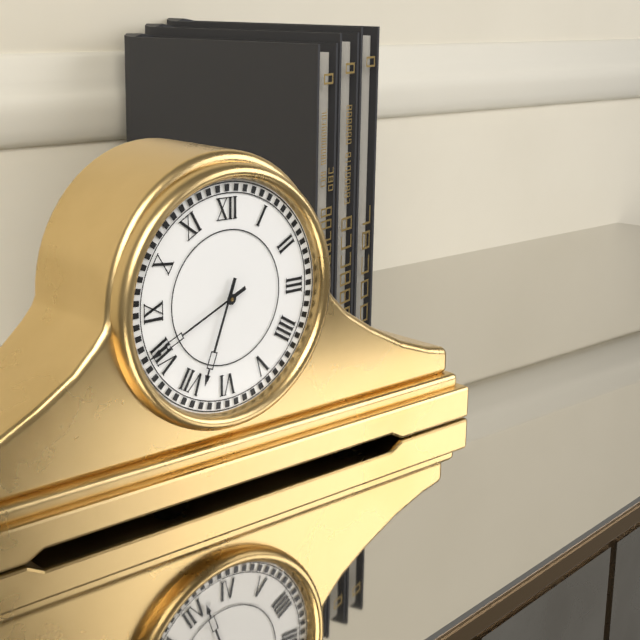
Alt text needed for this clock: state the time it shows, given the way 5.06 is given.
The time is 6.41
